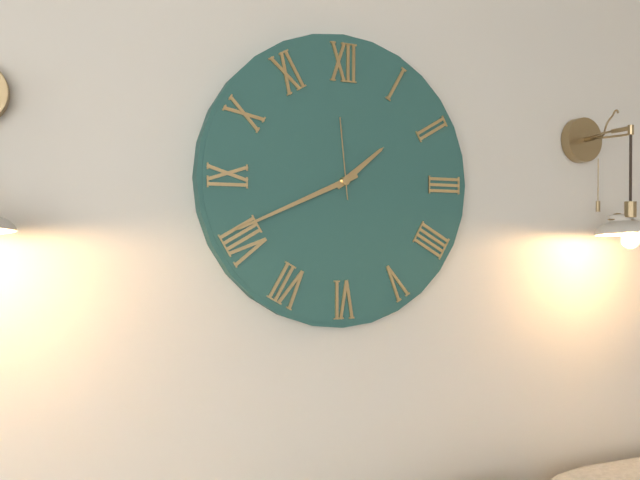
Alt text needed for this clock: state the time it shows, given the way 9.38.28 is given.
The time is 1.41.59
